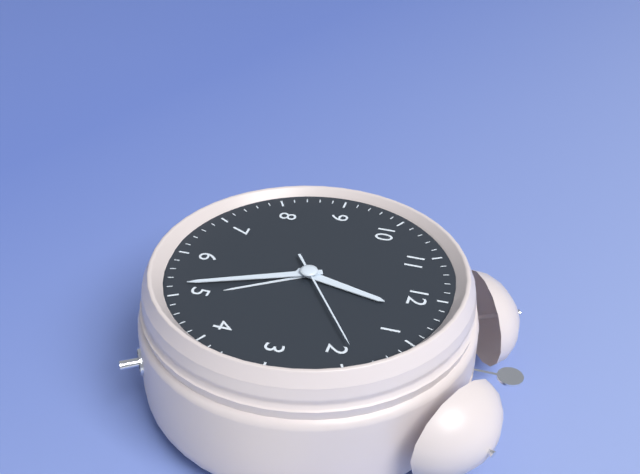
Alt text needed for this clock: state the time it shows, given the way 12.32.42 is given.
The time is 12.26.09
